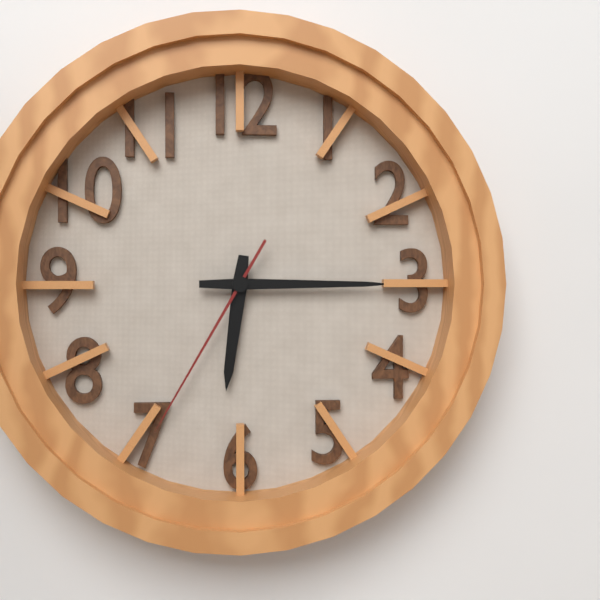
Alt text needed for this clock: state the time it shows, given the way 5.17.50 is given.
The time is 6.15.35
